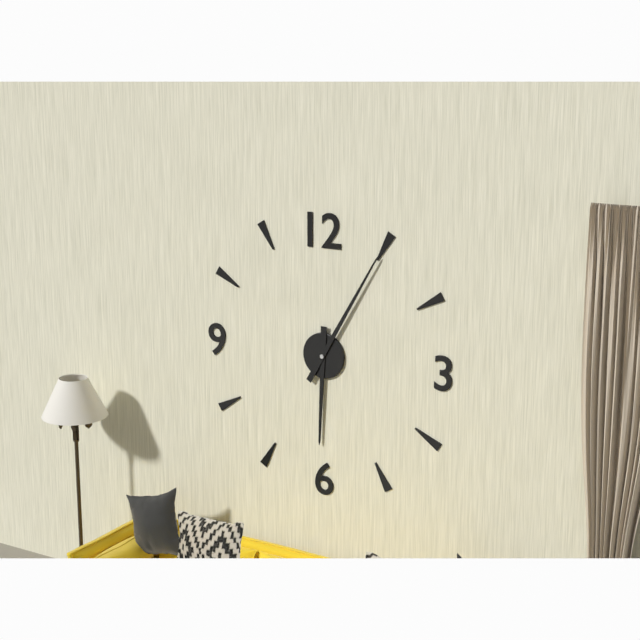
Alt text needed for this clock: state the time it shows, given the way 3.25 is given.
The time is 6.05
